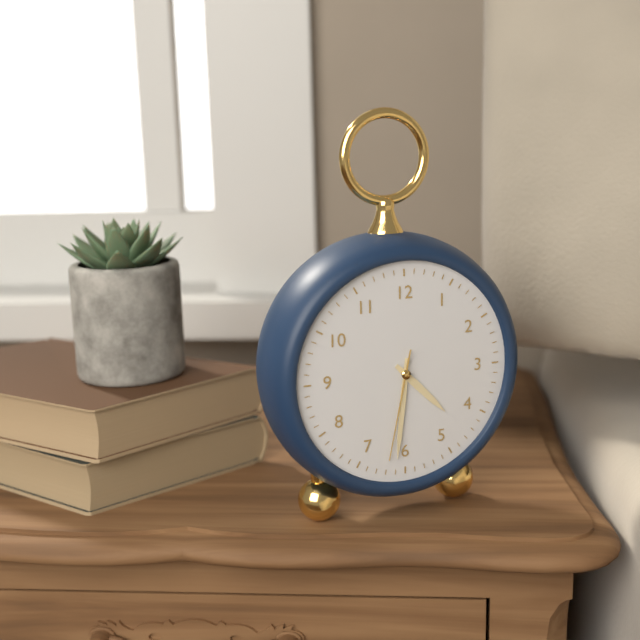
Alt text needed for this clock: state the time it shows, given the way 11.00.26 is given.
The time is 4.31.32
